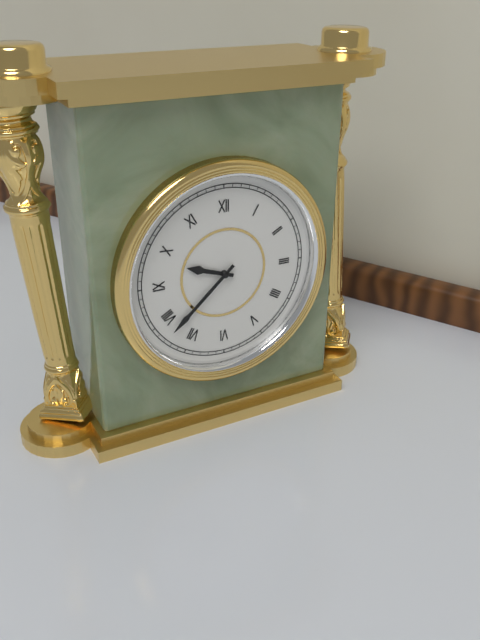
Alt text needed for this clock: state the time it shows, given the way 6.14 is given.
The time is 9.38
